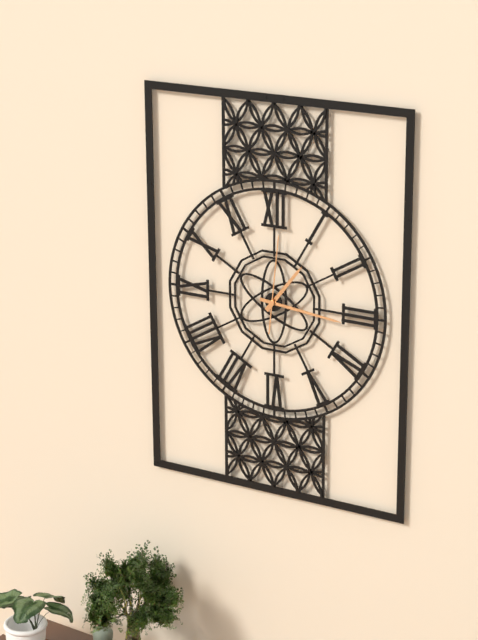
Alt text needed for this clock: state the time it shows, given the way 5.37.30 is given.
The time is 1.16.01
